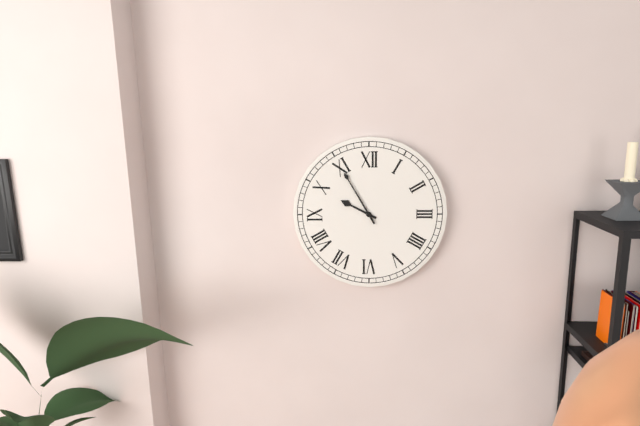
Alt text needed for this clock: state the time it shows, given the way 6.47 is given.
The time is 9.55
